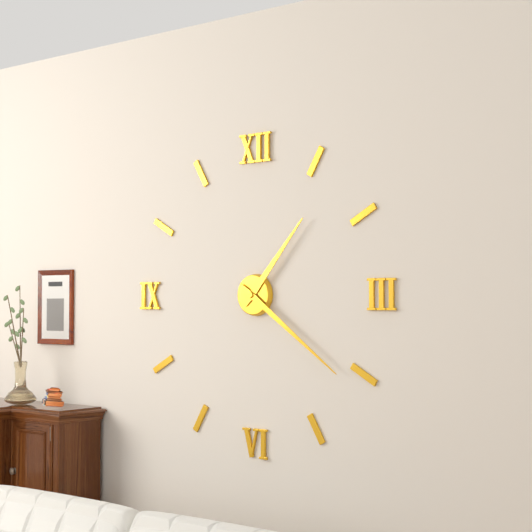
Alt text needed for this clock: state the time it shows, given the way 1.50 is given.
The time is 1.21
